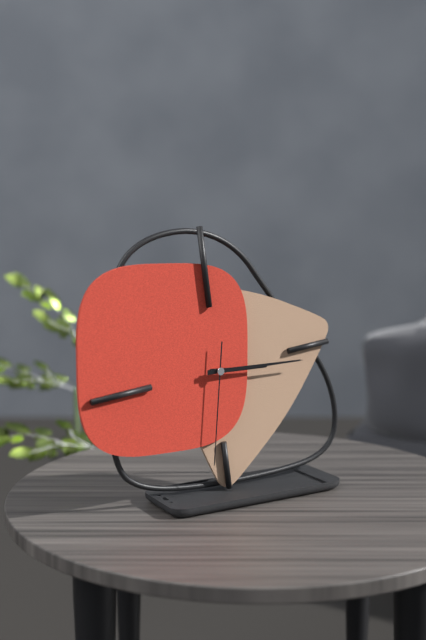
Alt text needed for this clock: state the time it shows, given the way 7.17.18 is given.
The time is 3.16.32
